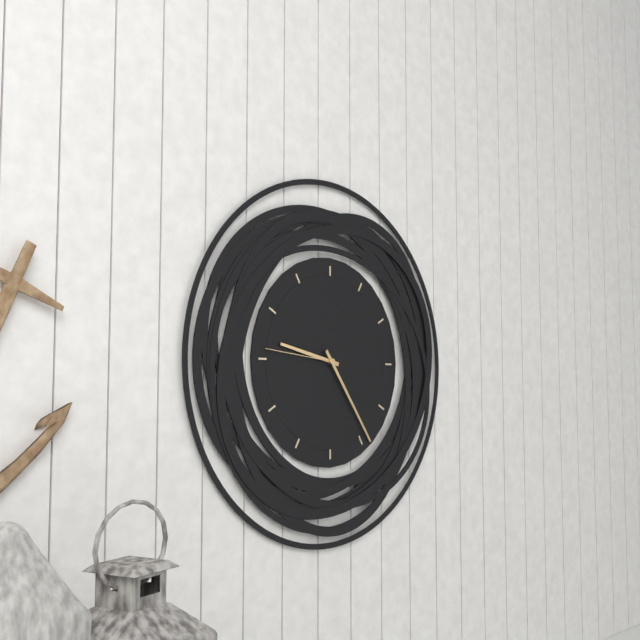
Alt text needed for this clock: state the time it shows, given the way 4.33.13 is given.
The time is 9.24.46
